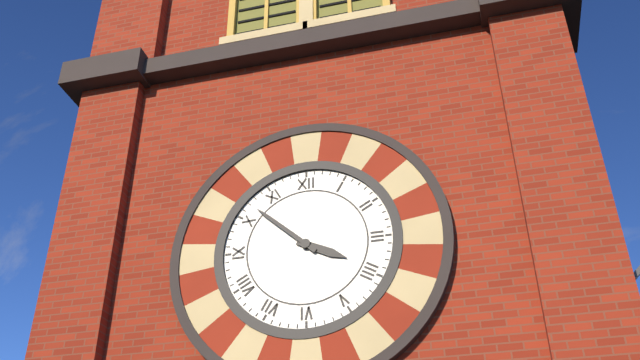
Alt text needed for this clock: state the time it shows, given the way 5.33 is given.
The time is 3.52
